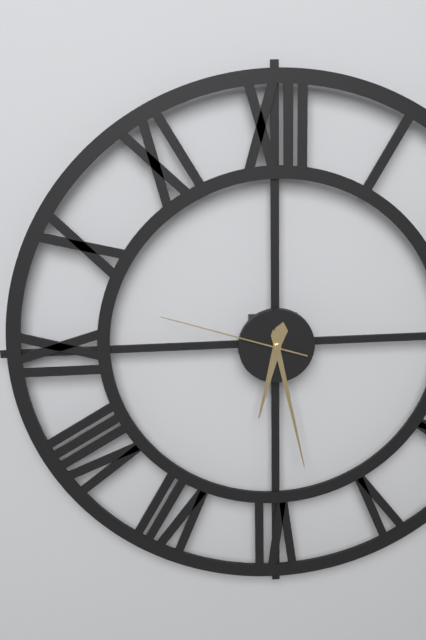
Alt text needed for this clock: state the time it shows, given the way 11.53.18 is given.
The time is 6.28.48
